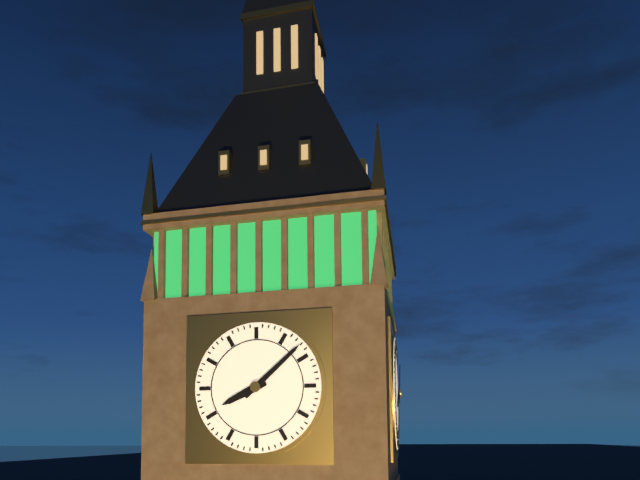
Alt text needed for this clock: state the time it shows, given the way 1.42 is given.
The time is 8.08
